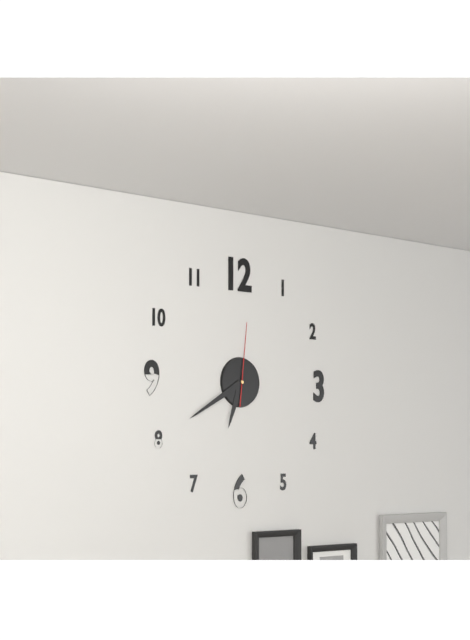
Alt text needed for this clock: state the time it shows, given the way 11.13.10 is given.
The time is 6.40.01
